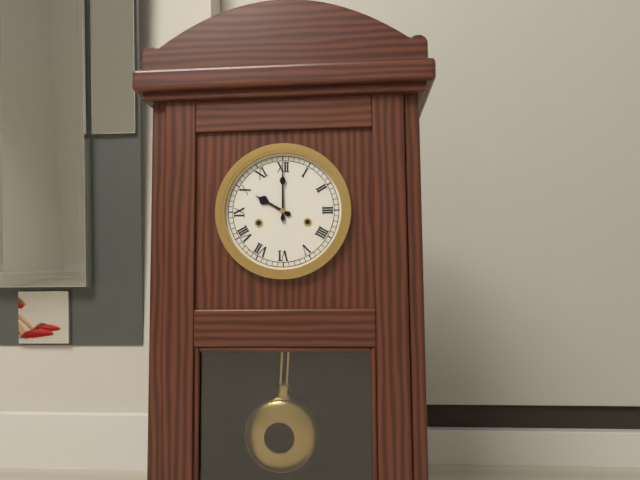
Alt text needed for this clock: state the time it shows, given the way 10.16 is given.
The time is 10.00
